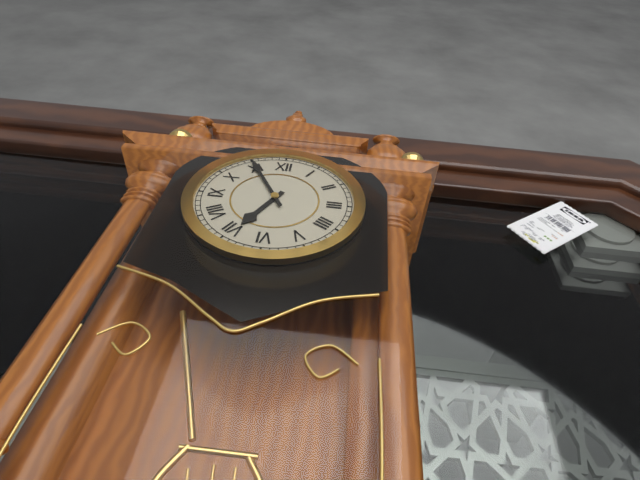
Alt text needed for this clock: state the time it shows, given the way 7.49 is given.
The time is 6.55
